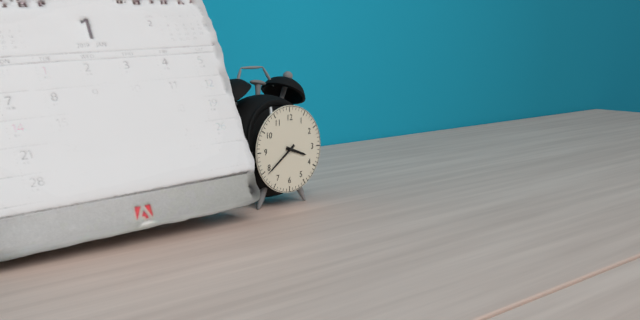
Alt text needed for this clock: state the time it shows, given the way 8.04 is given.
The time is 3.39
